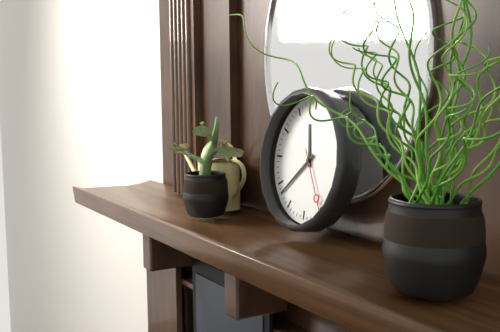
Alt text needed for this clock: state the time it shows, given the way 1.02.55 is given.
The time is 11.38.25
